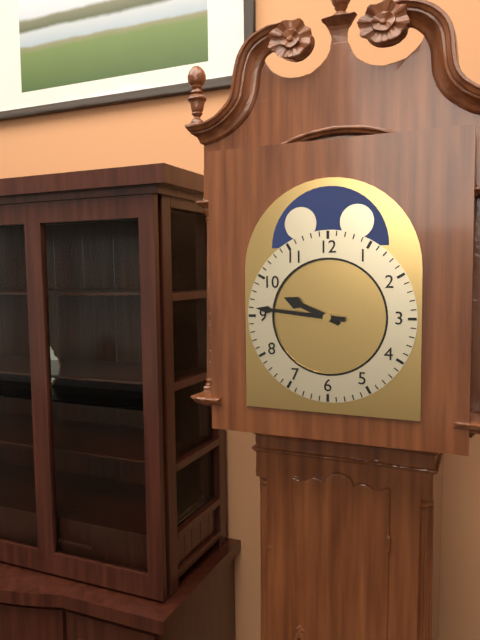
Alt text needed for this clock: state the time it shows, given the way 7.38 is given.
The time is 9.46
